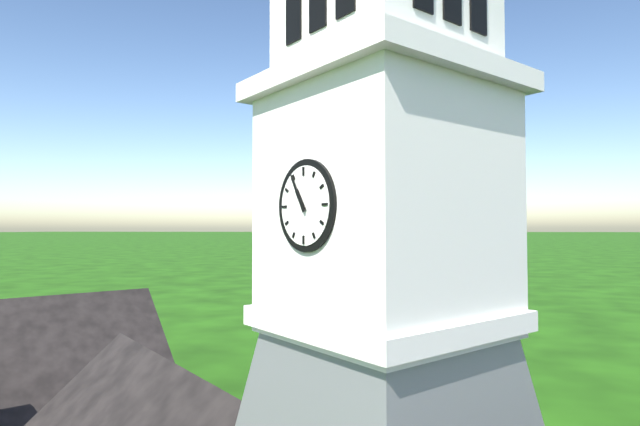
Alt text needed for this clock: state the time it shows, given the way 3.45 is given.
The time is 10.55
